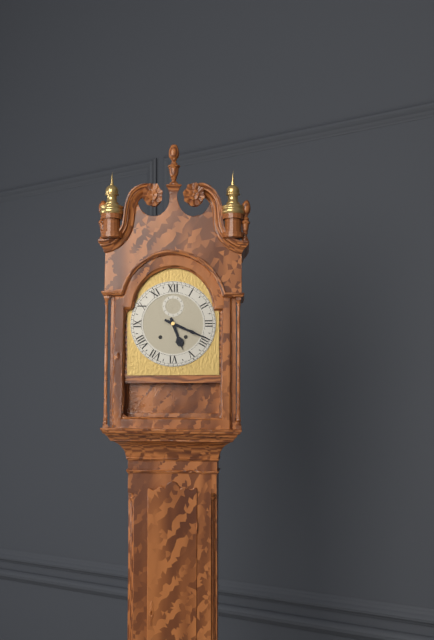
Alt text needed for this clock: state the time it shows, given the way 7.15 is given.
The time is 5.19
